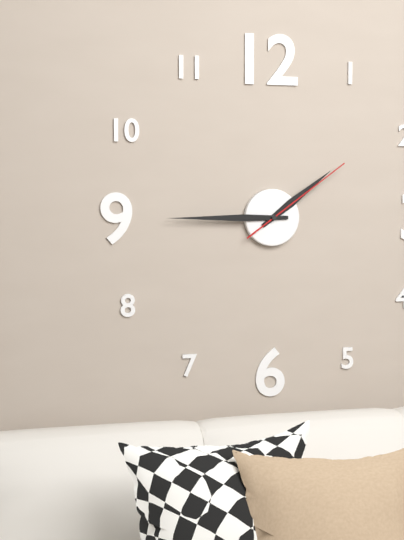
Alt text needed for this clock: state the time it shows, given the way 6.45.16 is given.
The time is 1.45.09
